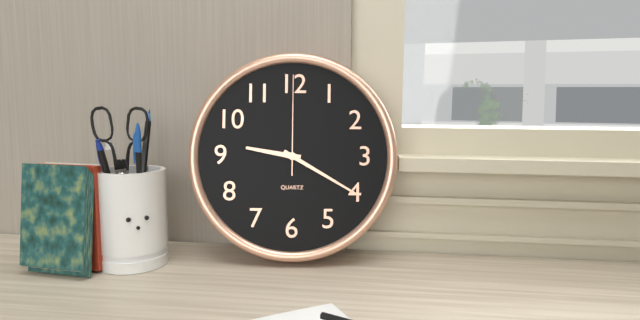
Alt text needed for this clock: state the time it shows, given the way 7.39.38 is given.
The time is 9.20.00
